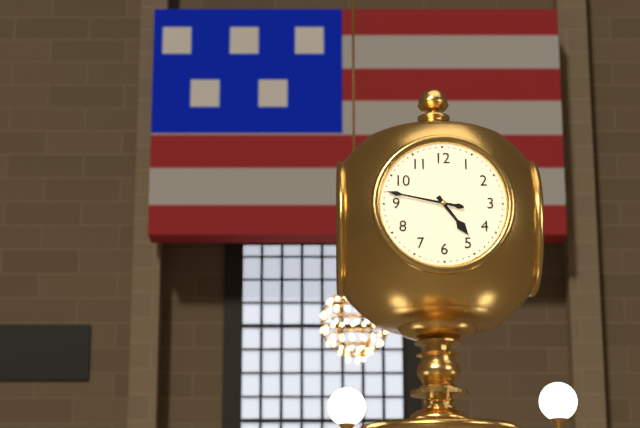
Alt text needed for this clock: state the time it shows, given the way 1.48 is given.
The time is 4.47
